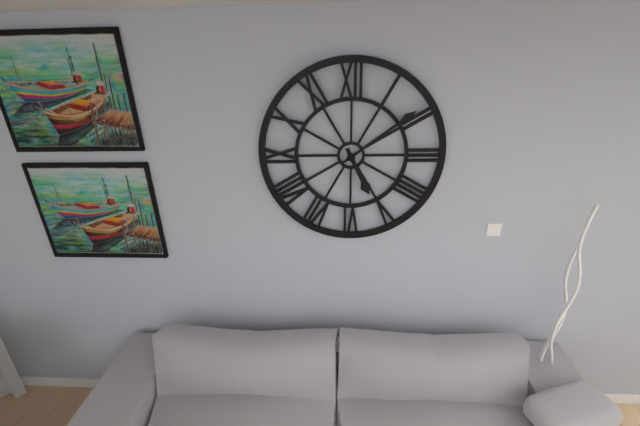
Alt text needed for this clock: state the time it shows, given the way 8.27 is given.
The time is 5.09
